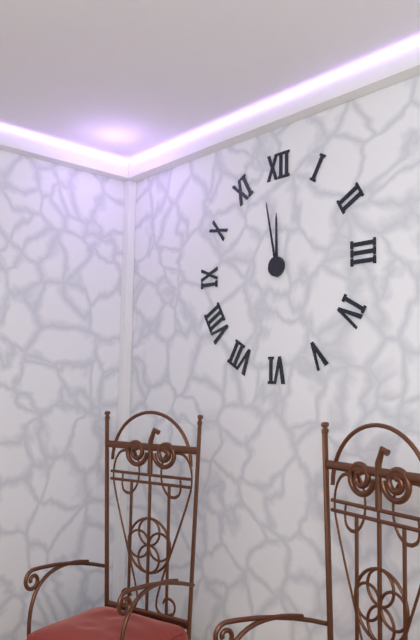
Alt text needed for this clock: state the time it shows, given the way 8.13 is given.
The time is 11.58
